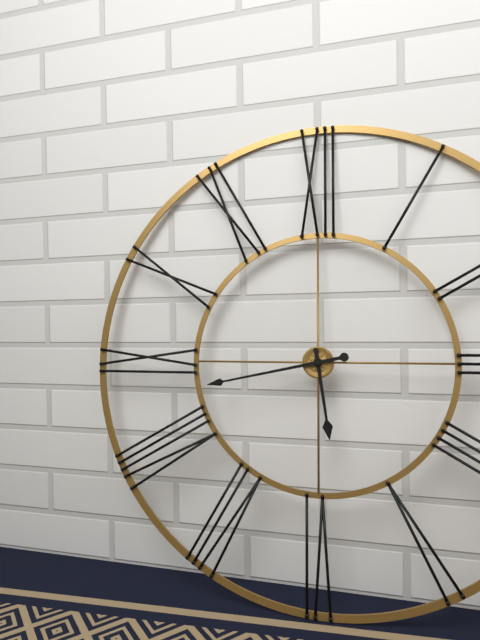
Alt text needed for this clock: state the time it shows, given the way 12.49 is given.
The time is 5.43
